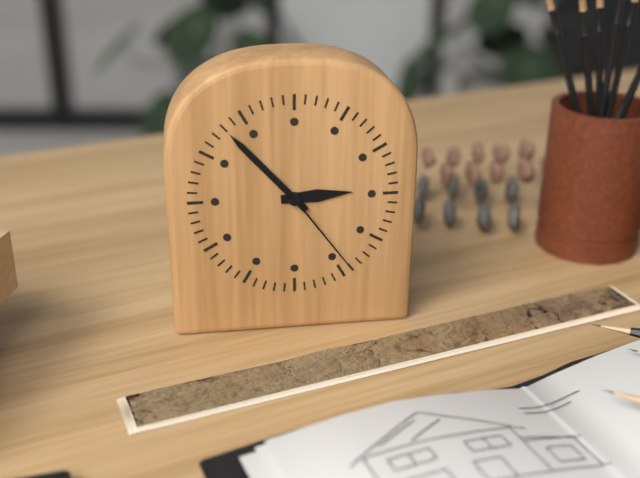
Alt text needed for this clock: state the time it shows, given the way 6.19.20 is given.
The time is 2.53.24
